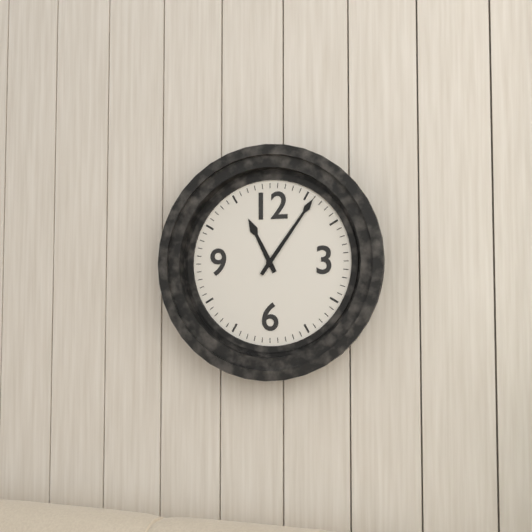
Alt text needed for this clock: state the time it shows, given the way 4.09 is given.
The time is 11.06
